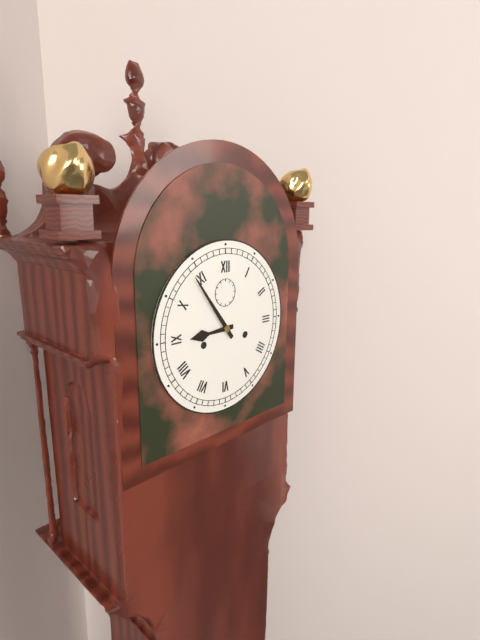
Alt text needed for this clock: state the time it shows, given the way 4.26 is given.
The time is 8.54
